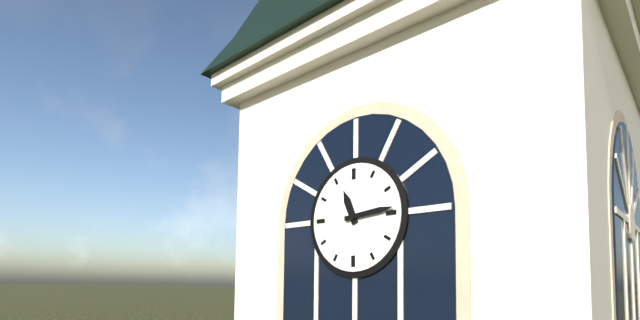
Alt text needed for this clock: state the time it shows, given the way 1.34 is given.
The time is 11.14
